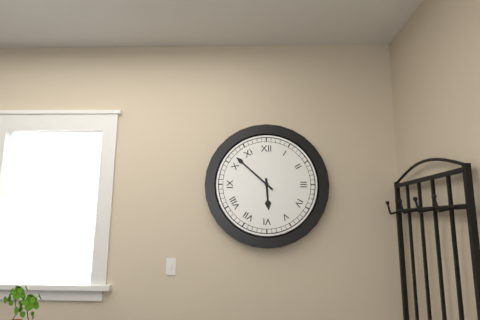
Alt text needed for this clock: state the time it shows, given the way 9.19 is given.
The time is 5.52
